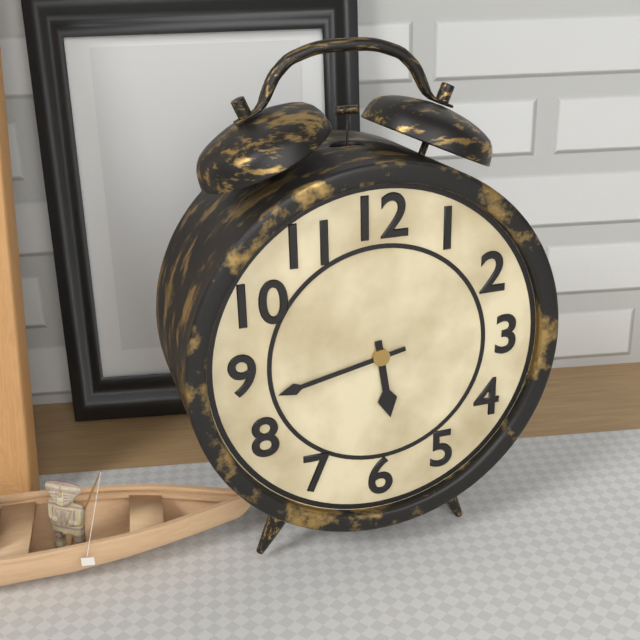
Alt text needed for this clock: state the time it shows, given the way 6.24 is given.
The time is 5.43
